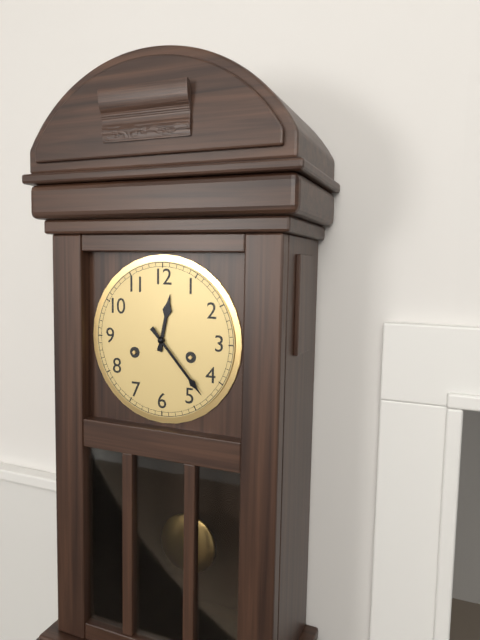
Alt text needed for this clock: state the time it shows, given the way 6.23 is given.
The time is 12.23
